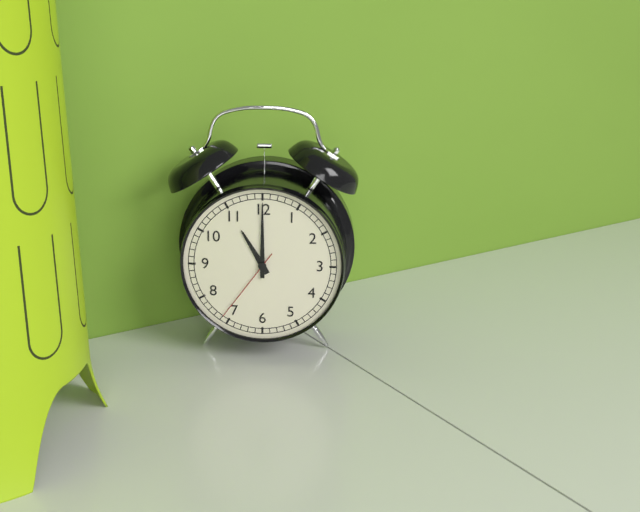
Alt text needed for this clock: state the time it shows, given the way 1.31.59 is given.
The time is 11.00.36
